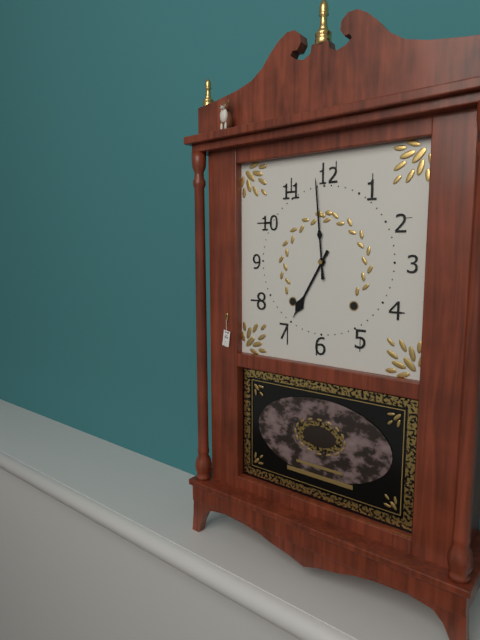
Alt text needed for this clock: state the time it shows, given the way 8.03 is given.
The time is 6.59
